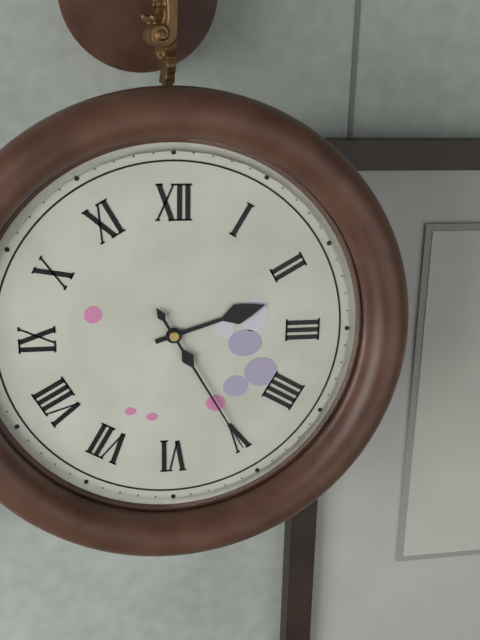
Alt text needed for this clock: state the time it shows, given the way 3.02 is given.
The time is 2.25
